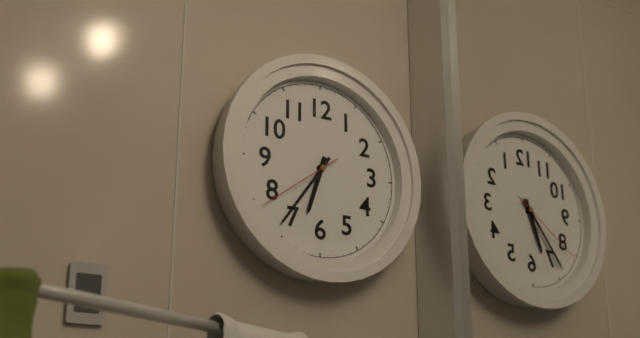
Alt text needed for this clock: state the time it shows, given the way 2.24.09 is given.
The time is 6.36.39
